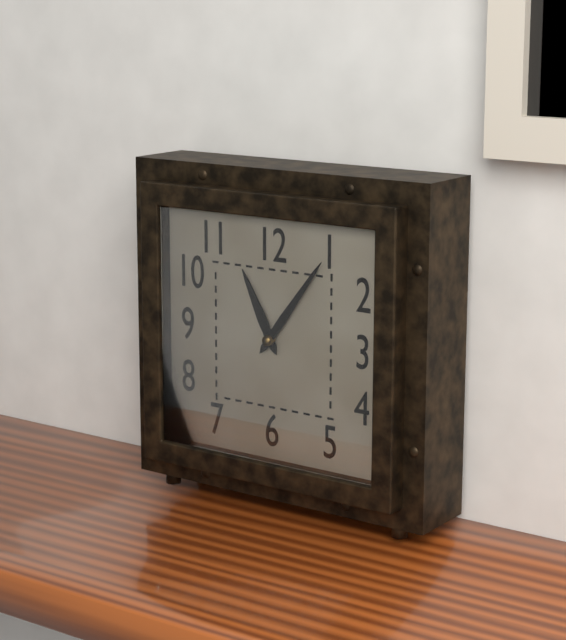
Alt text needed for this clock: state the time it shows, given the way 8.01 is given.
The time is 11.06
